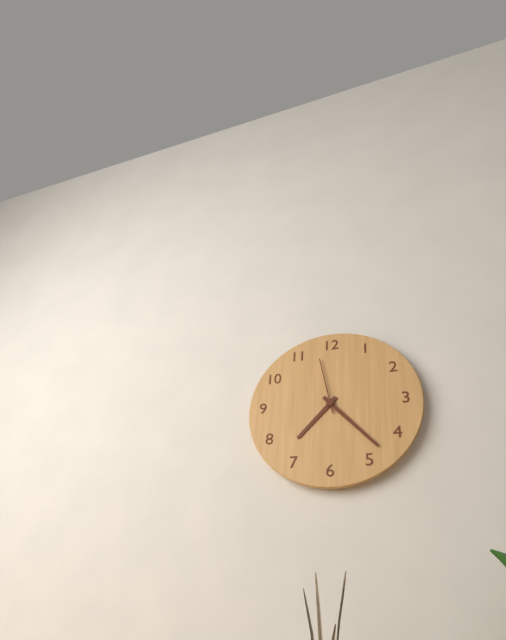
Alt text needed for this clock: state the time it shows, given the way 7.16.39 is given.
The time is 7.23.58
